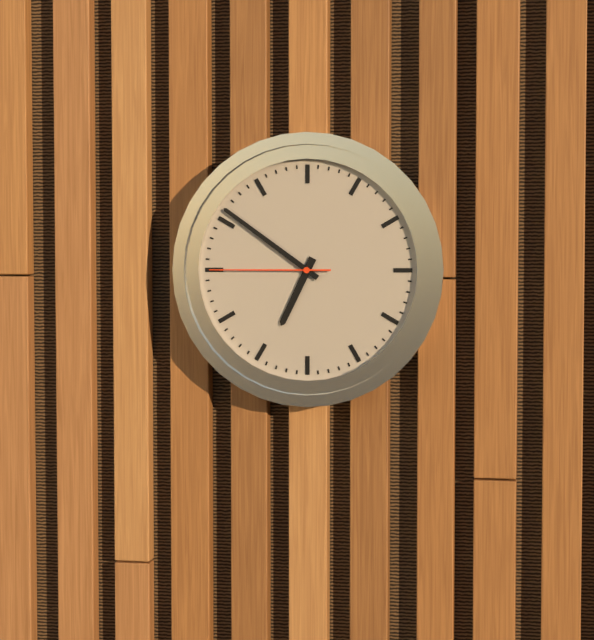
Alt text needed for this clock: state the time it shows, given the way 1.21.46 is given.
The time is 6.51.45
